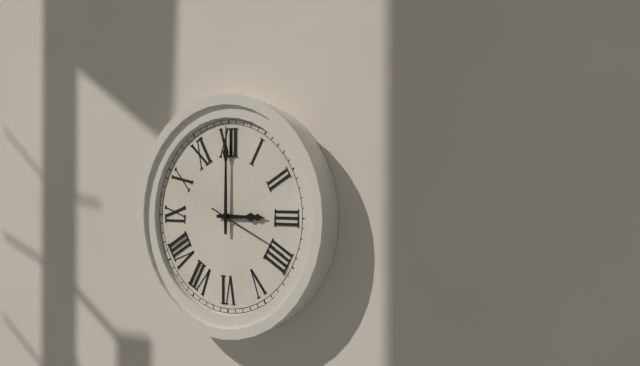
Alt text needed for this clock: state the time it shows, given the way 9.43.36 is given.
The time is 3.00.19
